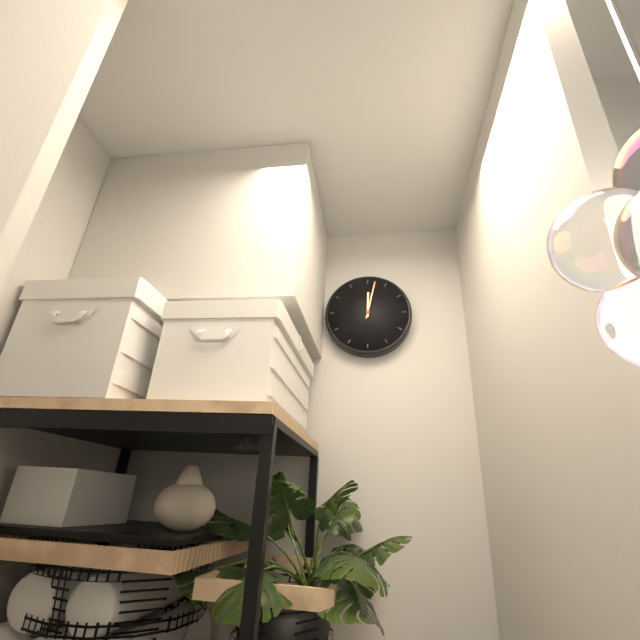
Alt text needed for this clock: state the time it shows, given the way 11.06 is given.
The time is 12.02
